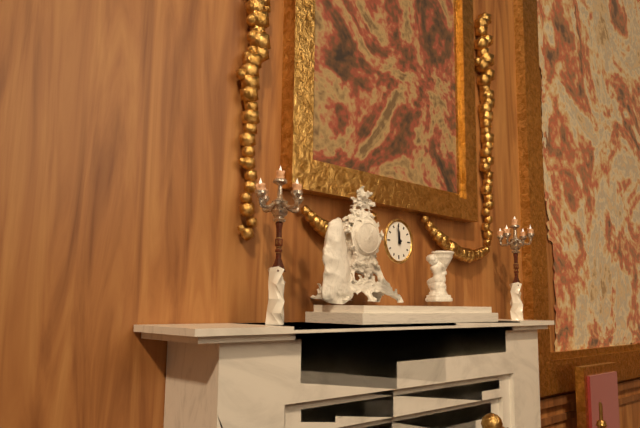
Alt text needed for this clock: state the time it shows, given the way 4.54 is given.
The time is 11.58
